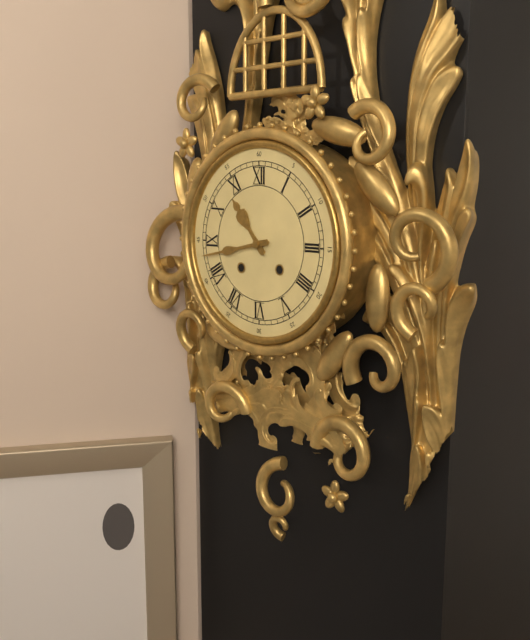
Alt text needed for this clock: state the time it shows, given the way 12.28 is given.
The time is 10.43
